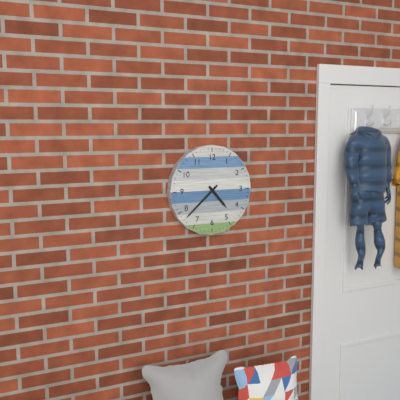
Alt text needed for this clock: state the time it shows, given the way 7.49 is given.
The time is 4.38
